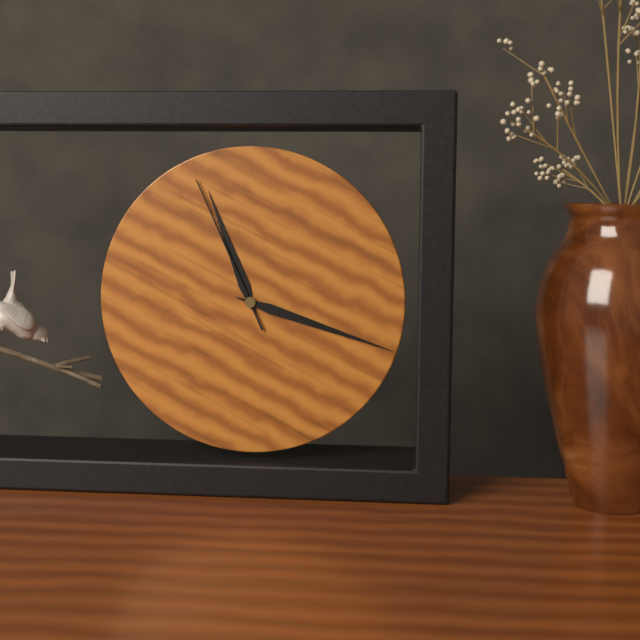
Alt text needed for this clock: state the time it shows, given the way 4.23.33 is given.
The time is 11.18.56
